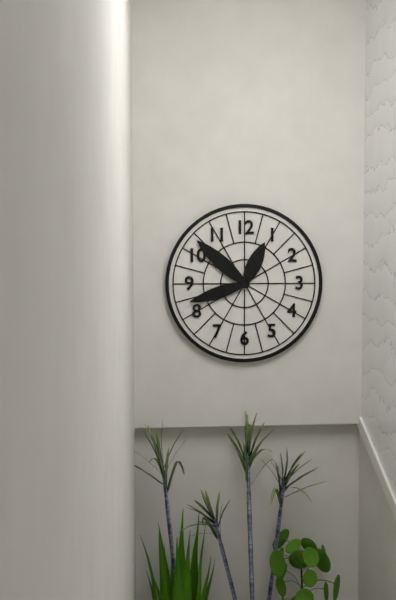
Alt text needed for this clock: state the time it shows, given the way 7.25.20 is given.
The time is 12.52.42
